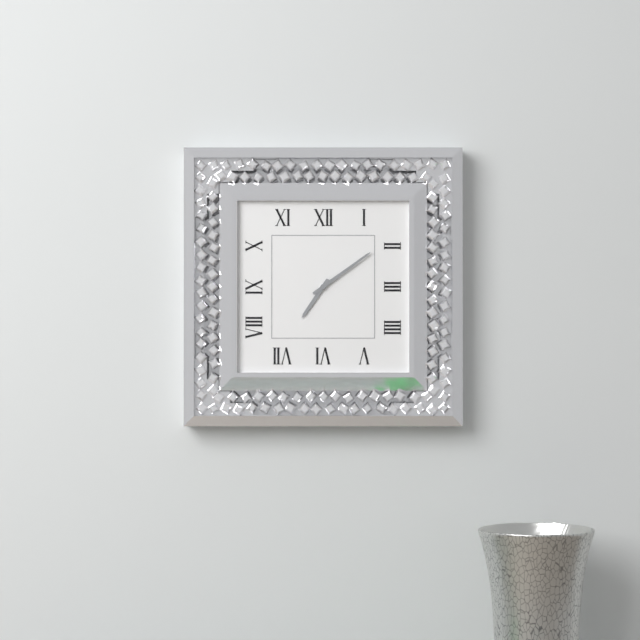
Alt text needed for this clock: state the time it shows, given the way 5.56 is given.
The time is 7.09
